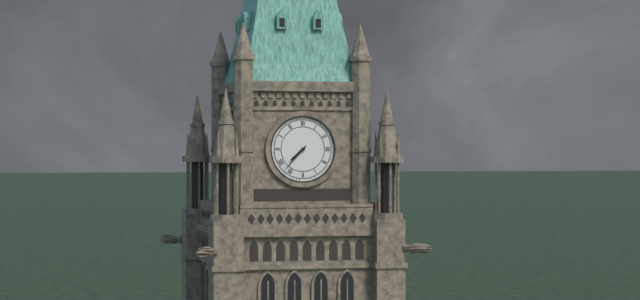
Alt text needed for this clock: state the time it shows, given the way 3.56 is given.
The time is 7.37
